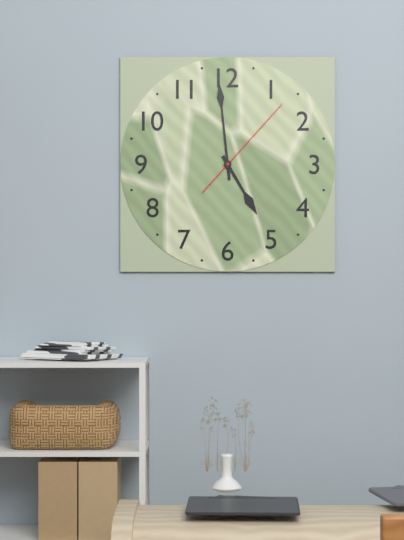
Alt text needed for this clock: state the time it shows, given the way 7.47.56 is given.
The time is 4.59.07
